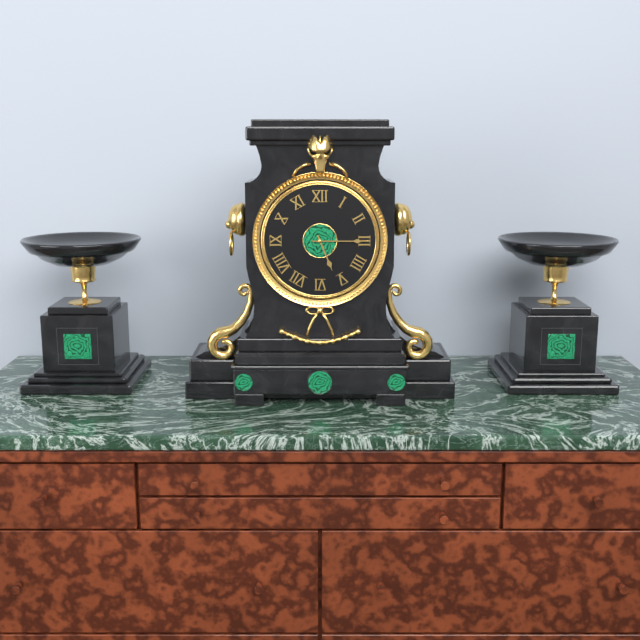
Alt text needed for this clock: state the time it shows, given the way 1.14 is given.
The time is 5.15
